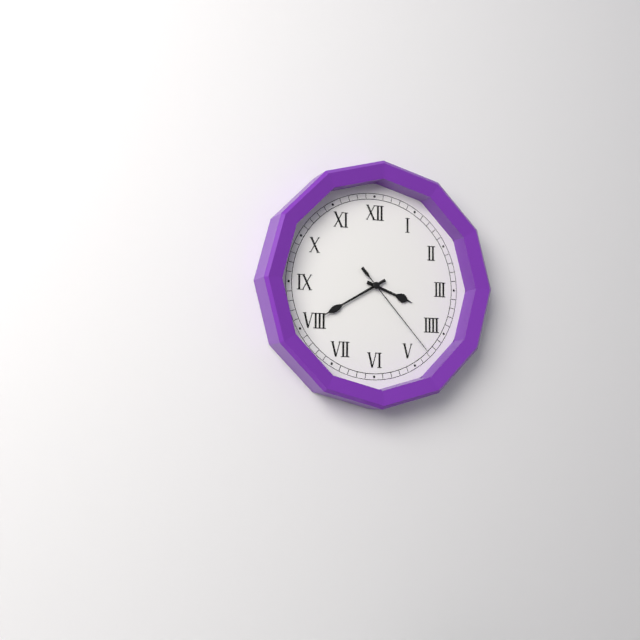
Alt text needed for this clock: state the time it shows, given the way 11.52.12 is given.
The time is 3.40.23
